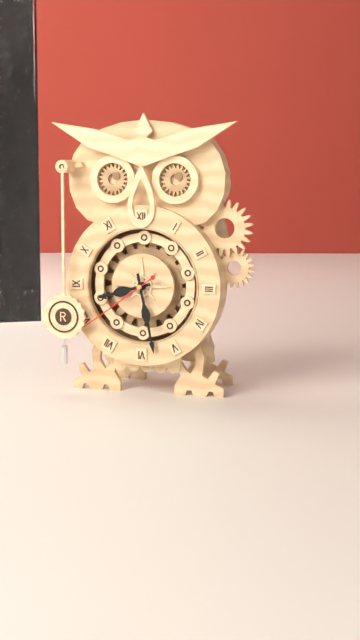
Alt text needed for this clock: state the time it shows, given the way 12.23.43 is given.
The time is 8.28.39
